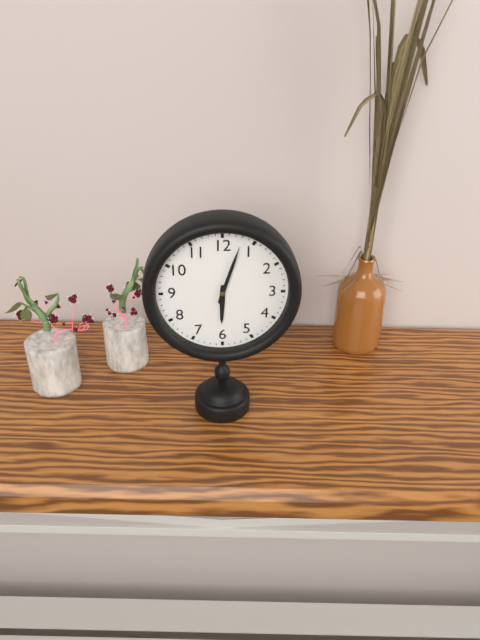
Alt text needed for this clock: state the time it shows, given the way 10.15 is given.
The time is 6.03
